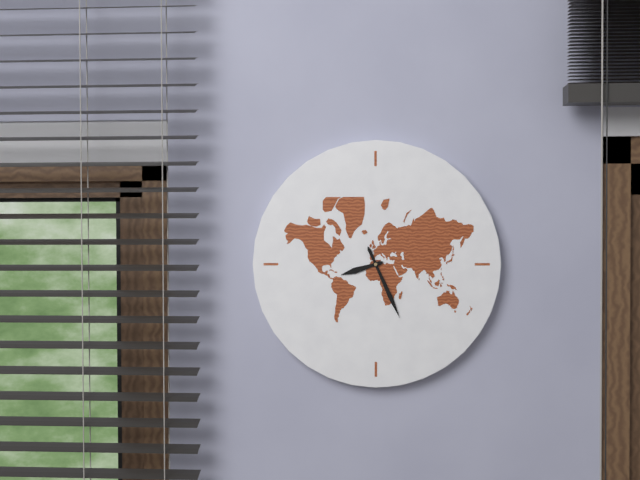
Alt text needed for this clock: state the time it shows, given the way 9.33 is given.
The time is 8.26
